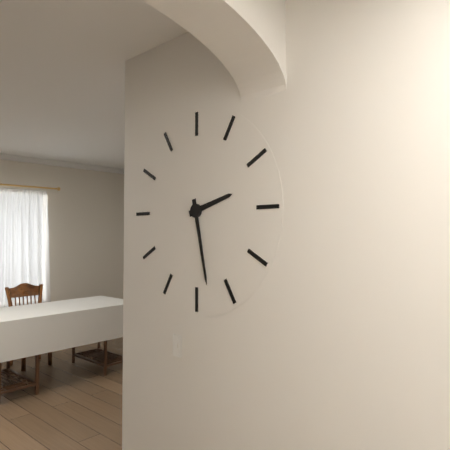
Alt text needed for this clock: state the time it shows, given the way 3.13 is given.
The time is 2.28
